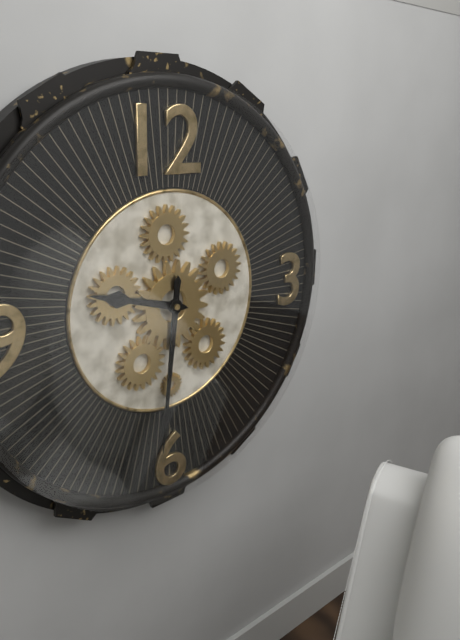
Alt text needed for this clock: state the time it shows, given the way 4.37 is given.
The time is 9.31
